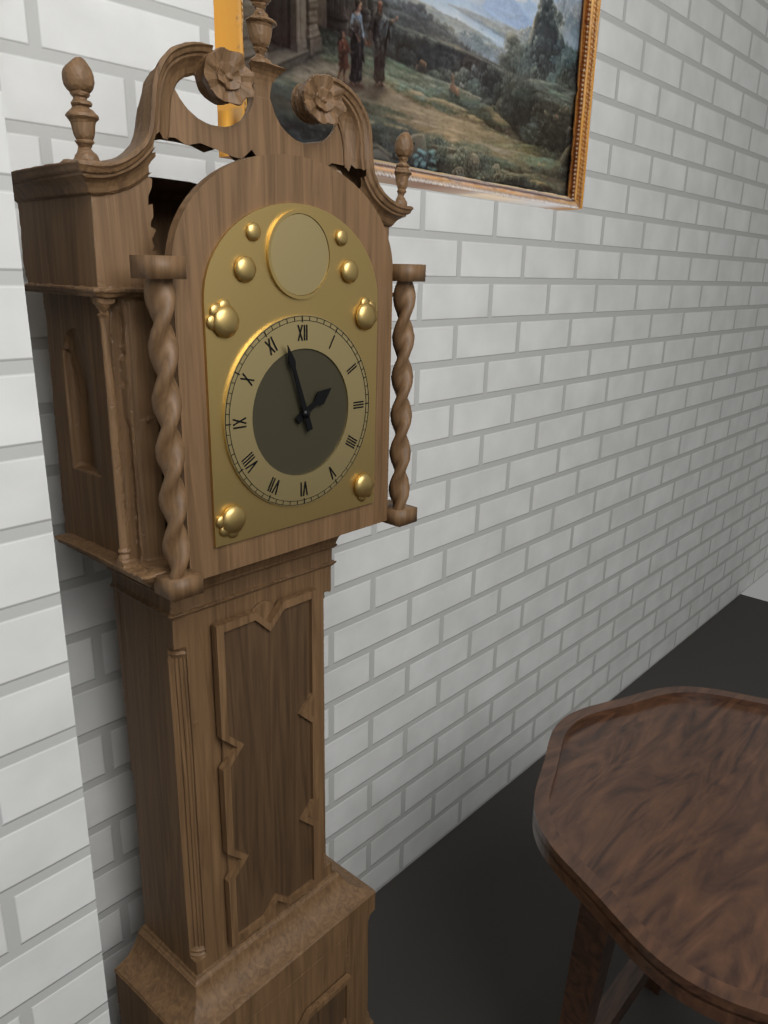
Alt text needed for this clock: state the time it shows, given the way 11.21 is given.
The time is 1.57
